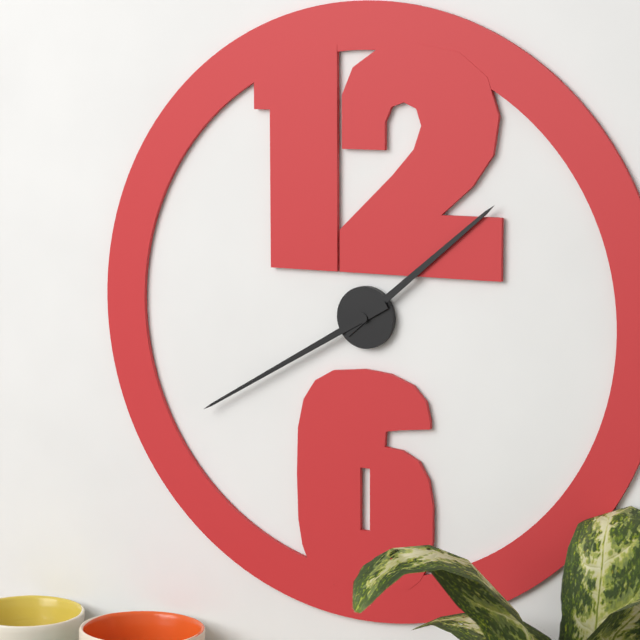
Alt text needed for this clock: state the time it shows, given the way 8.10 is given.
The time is 1.40
